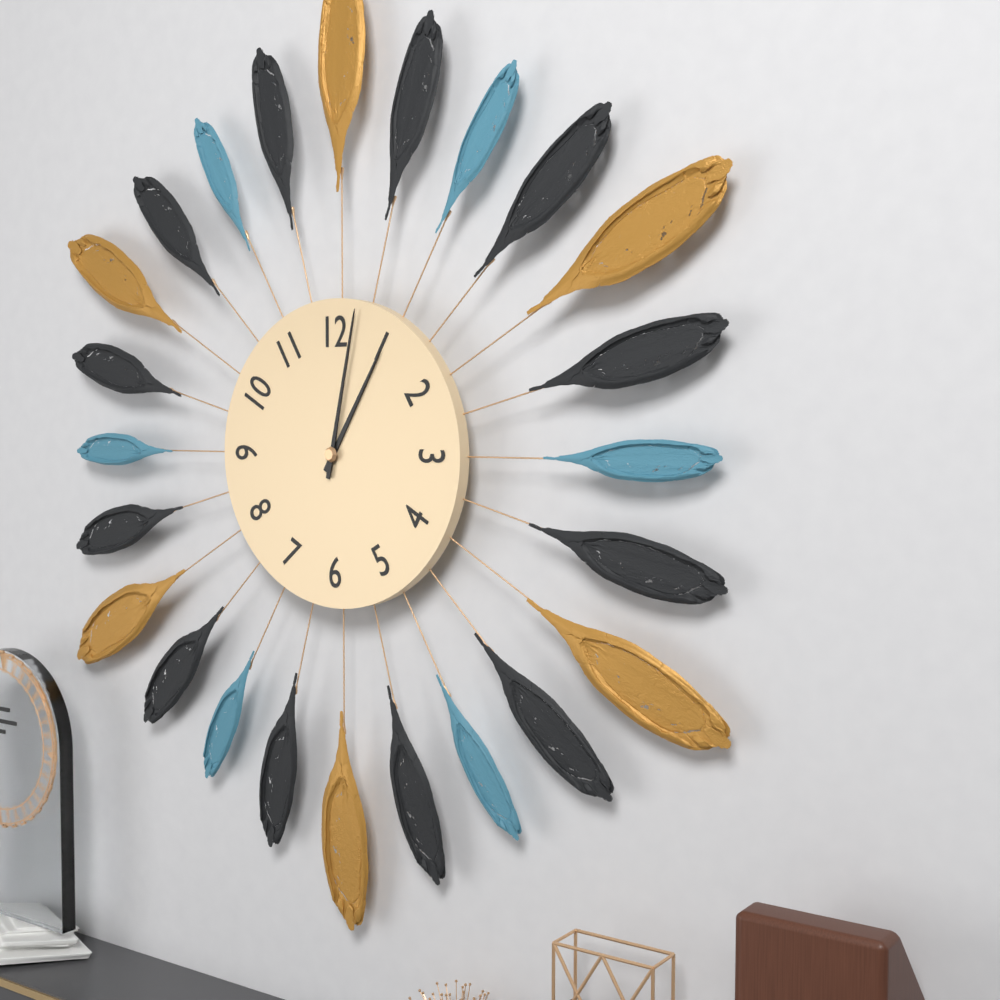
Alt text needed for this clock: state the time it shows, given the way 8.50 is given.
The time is 1.02
